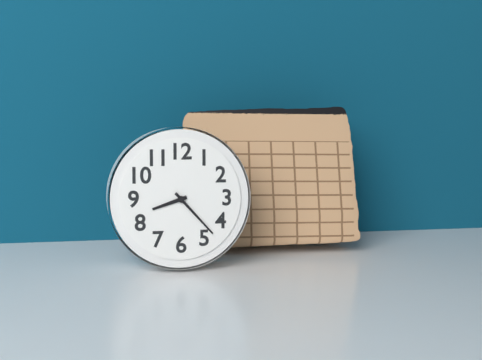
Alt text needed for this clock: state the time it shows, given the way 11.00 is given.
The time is 8.23
